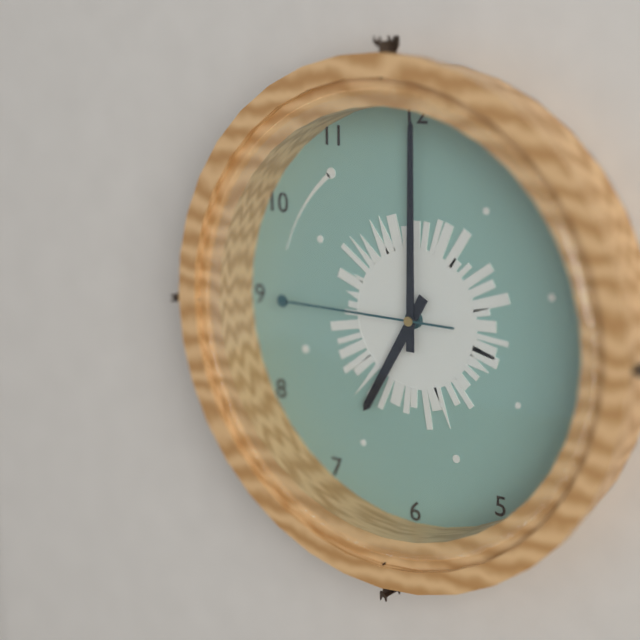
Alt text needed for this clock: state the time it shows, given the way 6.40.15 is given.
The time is 7.00.45
